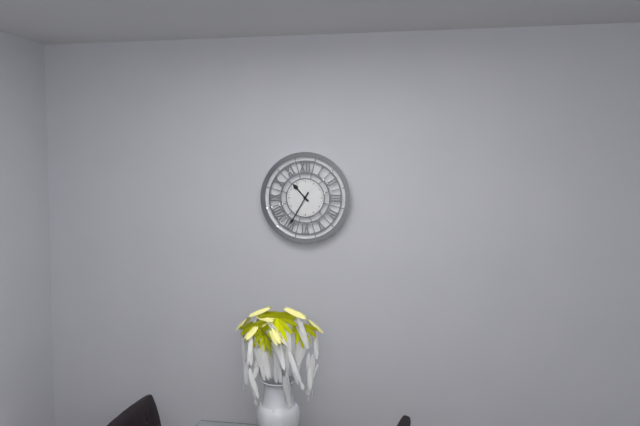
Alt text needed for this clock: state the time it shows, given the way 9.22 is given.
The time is 10.35
